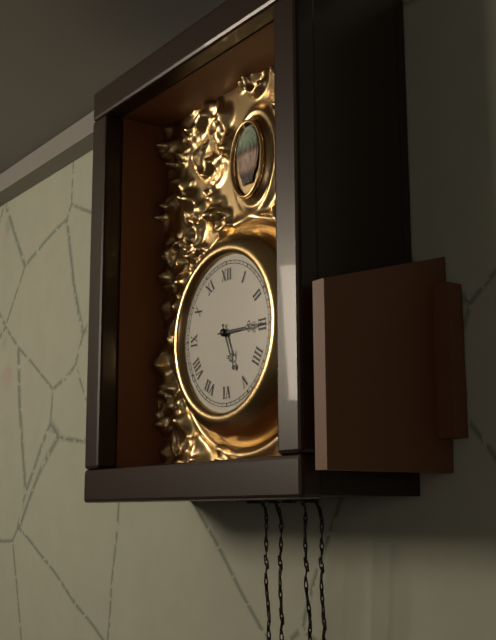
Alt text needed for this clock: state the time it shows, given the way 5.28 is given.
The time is 5.15
